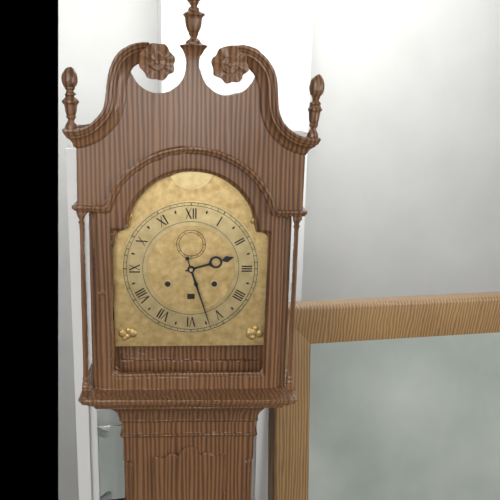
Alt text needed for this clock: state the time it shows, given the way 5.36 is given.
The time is 2.27
